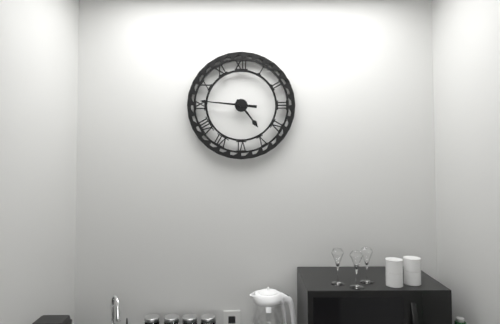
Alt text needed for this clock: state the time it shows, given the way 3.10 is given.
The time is 4.46
